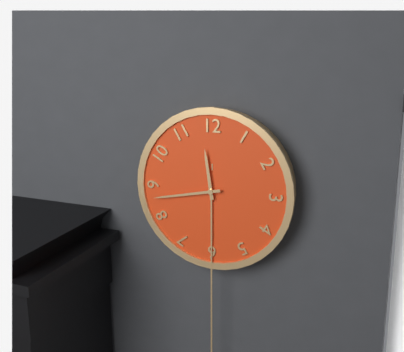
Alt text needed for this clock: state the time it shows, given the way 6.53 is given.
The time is 11.43
